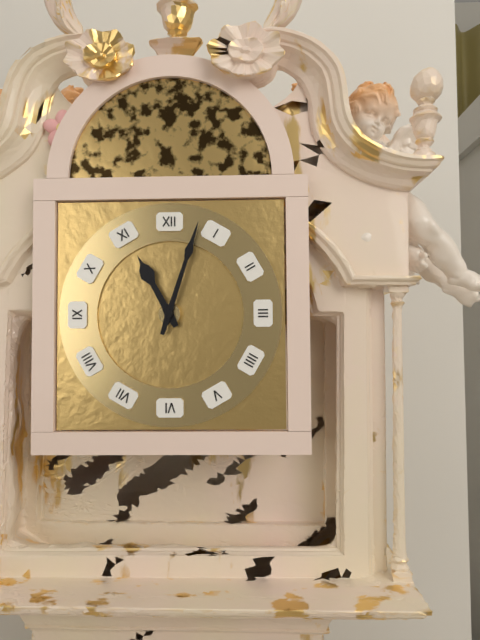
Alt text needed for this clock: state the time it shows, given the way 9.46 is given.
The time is 11.03
